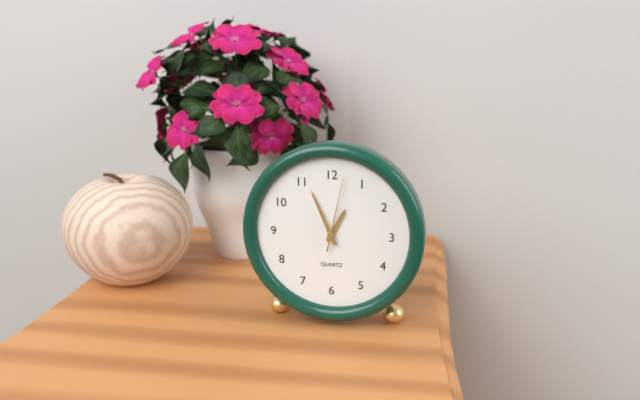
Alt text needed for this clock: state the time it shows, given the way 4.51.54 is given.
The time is 12.56.02
